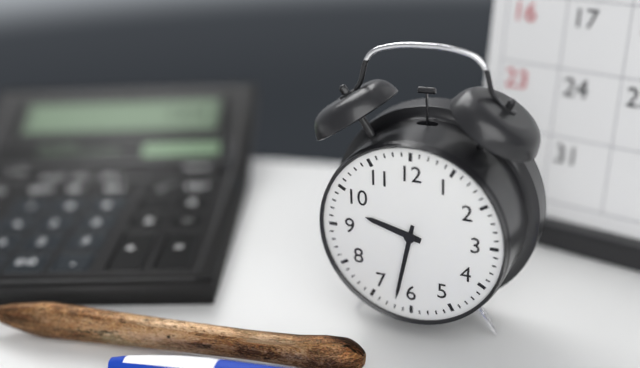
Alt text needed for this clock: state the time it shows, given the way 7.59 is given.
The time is 9.32
